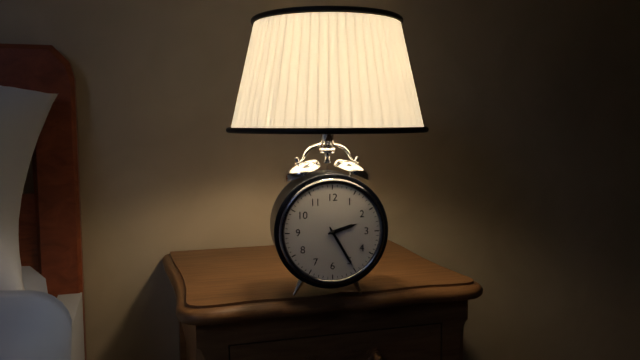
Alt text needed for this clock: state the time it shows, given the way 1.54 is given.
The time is 2.25
